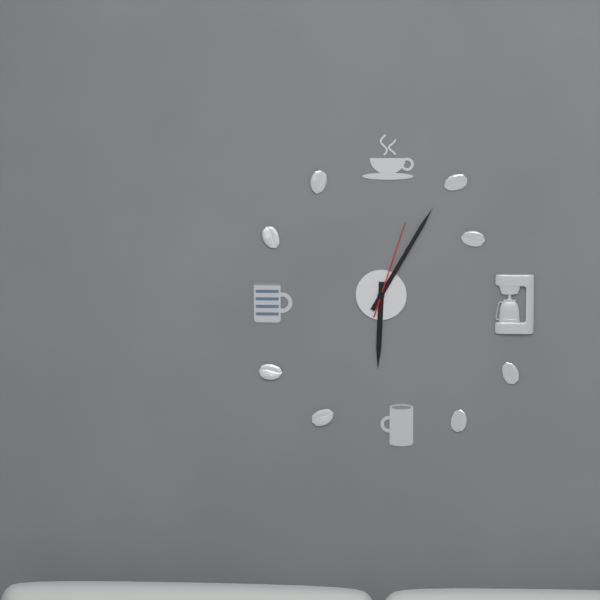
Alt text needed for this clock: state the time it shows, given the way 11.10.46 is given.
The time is 6.05.03
